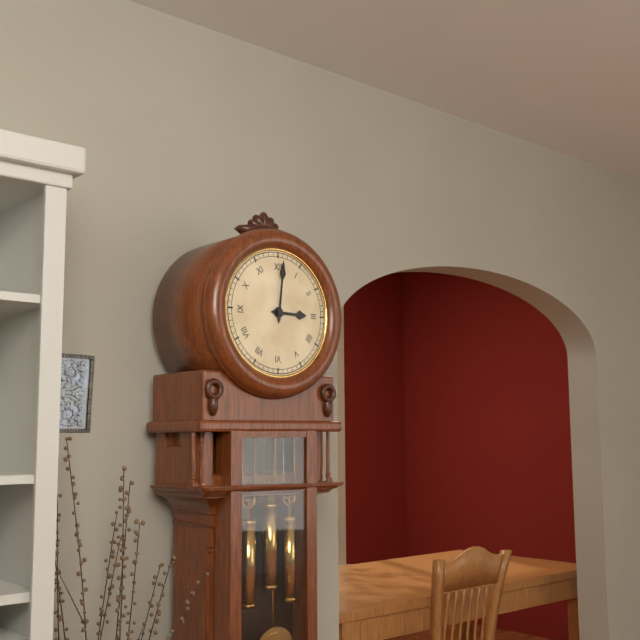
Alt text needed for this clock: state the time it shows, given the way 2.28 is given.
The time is 3.01
